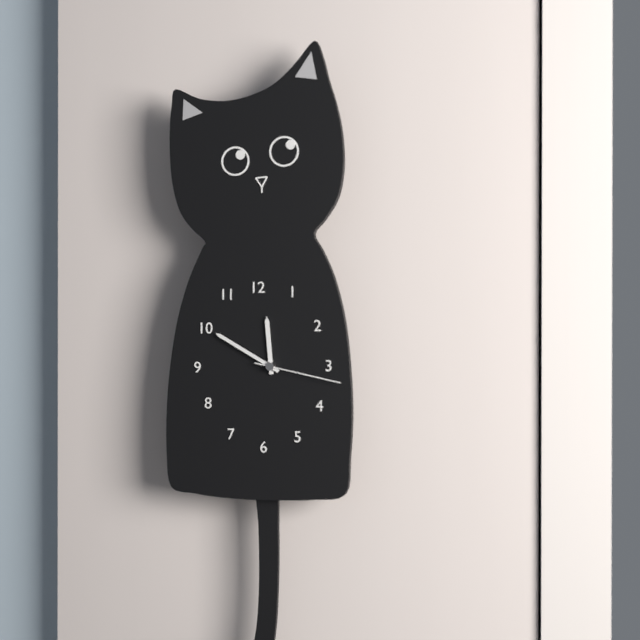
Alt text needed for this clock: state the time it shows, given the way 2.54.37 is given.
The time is 11.50.17
